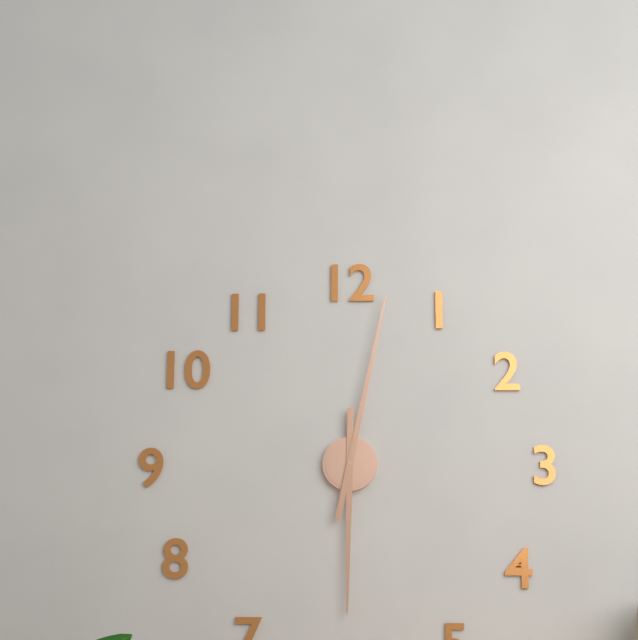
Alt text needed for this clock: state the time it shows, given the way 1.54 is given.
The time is 6.02
